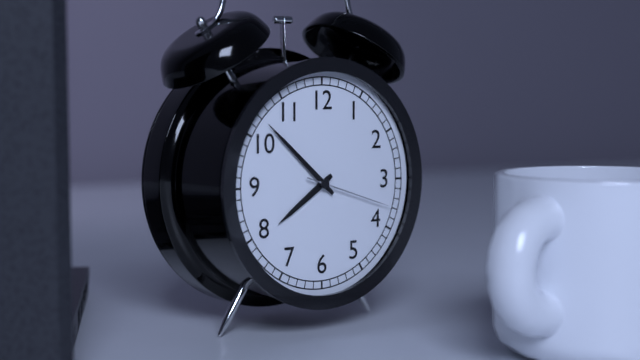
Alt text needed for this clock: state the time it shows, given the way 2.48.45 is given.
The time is 7.52.18
